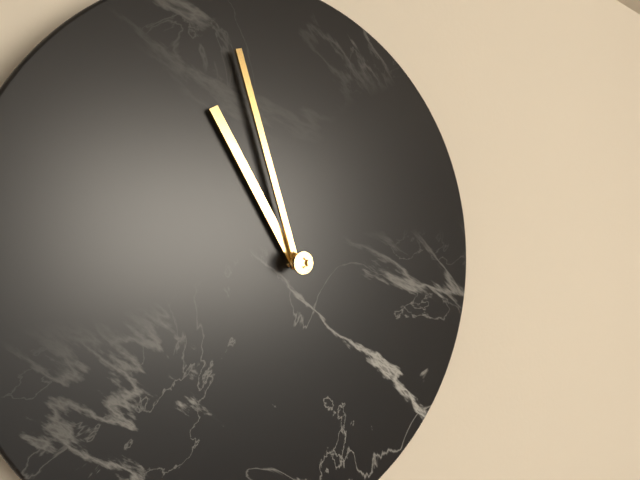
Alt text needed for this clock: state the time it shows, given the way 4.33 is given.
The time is 10.57
